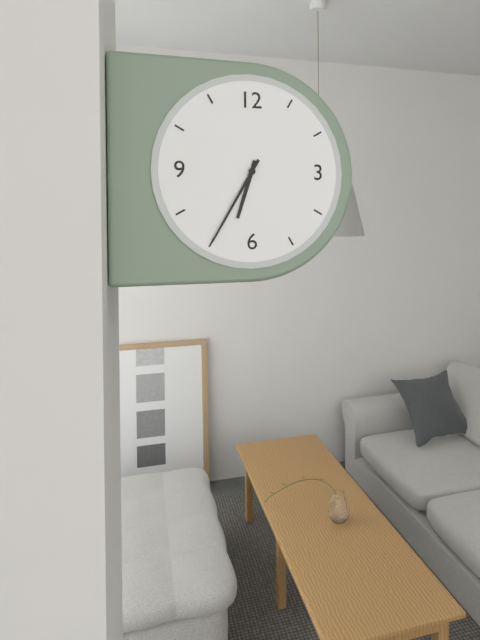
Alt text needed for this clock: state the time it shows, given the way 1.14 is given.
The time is 6.35
